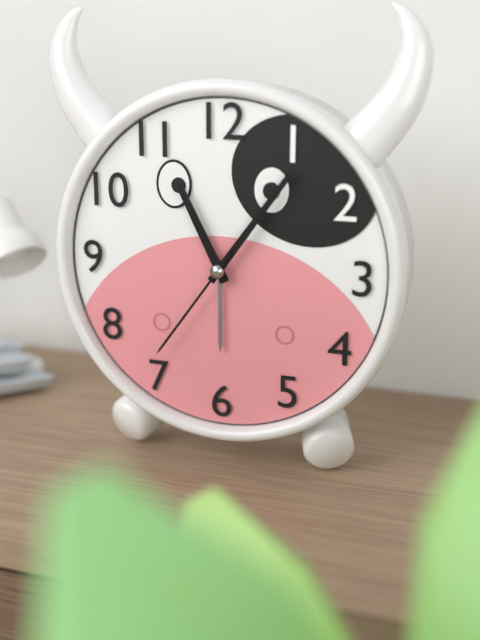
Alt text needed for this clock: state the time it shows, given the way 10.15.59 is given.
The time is 11.06.36
